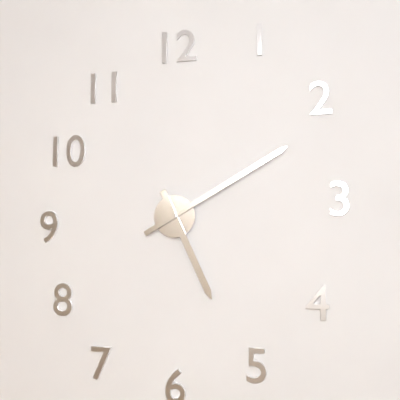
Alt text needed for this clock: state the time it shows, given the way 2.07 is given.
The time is 5.10
